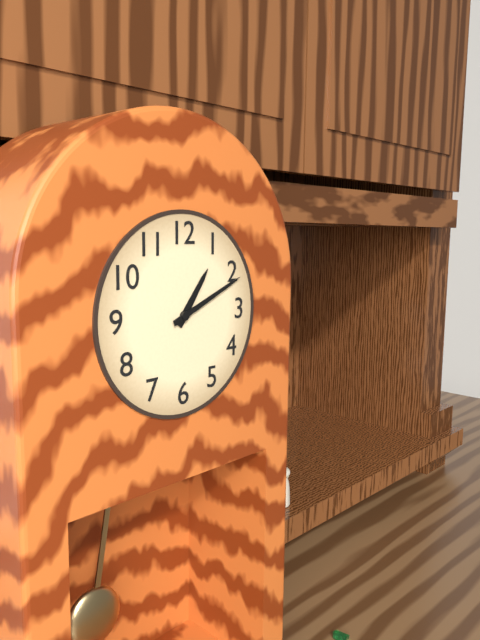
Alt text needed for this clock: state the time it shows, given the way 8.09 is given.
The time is 1.11
